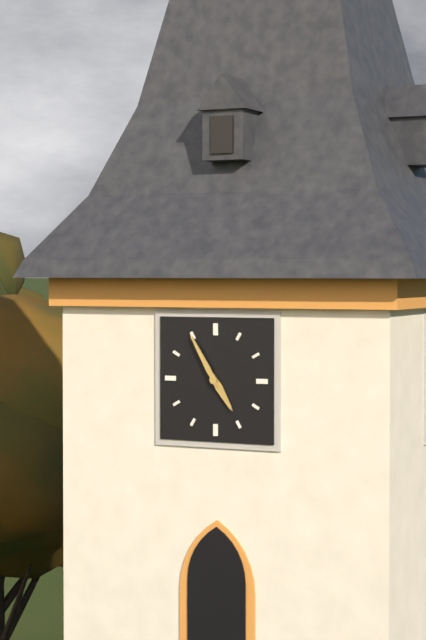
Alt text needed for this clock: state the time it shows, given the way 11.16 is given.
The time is 4.55
